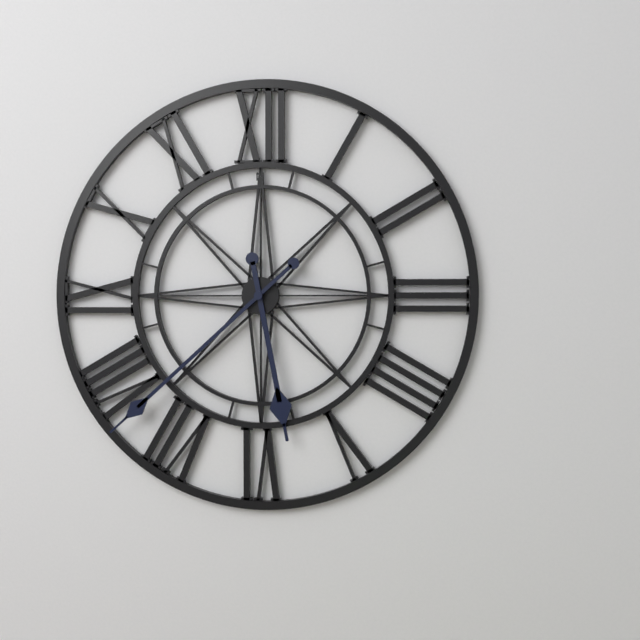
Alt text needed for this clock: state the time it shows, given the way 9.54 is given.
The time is 5.38
